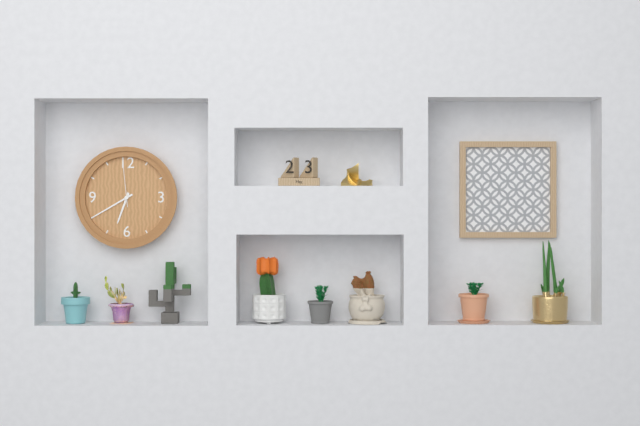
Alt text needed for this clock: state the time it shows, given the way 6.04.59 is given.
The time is 6.40.59
